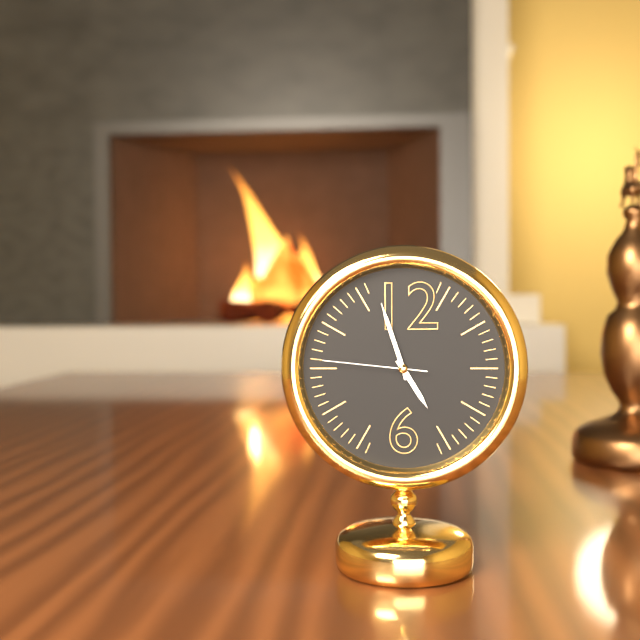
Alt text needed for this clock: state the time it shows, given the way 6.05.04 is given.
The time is 4.57.46
